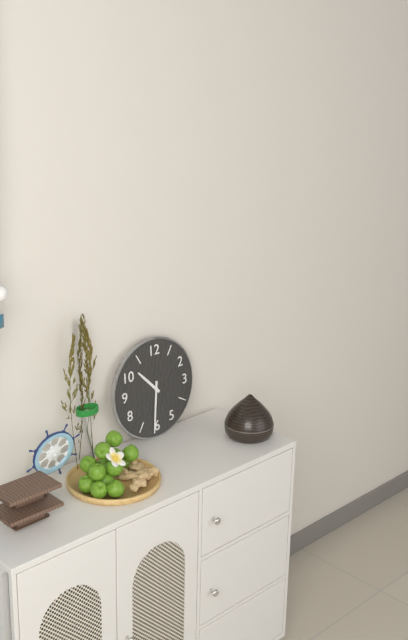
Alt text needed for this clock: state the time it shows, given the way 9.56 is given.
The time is 10.31
